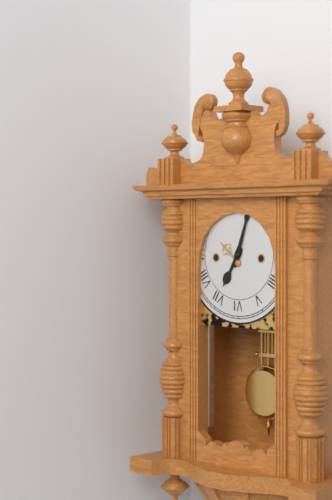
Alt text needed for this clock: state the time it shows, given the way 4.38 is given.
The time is 7.03
